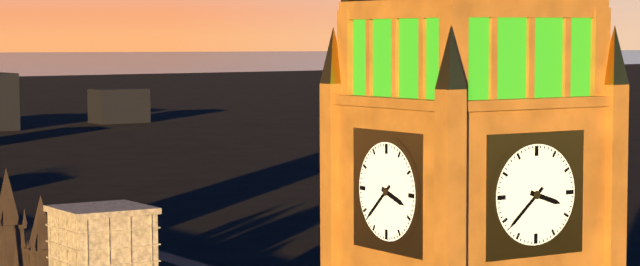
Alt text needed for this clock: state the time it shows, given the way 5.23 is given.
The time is 3.38
